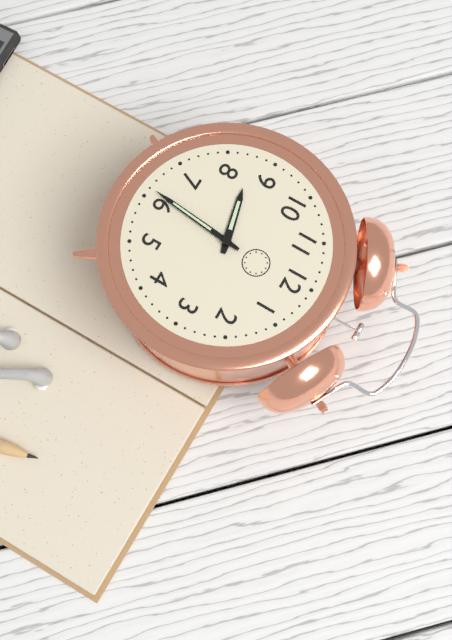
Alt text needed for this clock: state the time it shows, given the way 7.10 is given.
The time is 8.31
